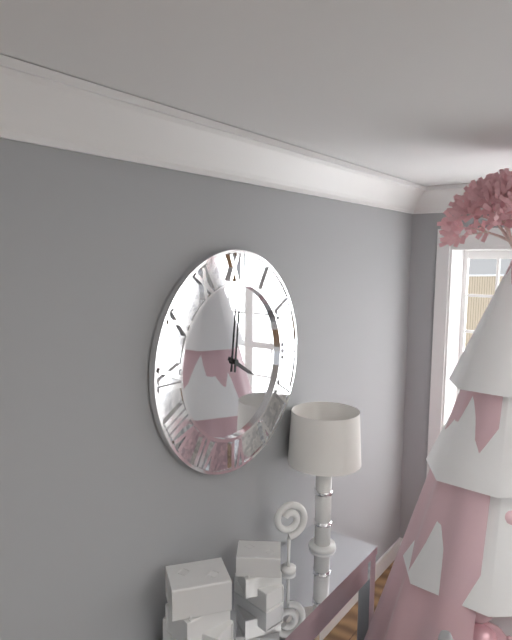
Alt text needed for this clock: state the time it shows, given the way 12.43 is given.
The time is 4.01
